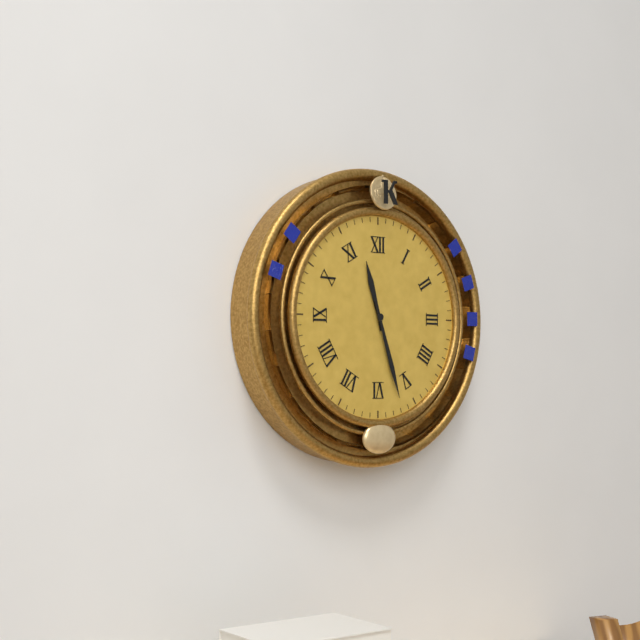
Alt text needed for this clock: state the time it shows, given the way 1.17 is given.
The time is 11.27
